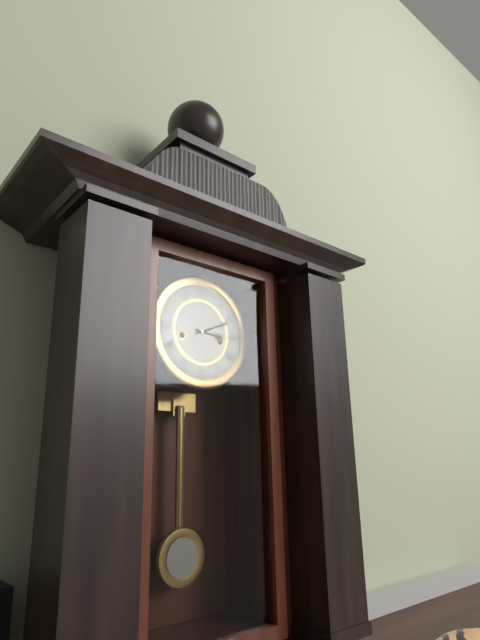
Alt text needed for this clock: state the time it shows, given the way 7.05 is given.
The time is 3.11
